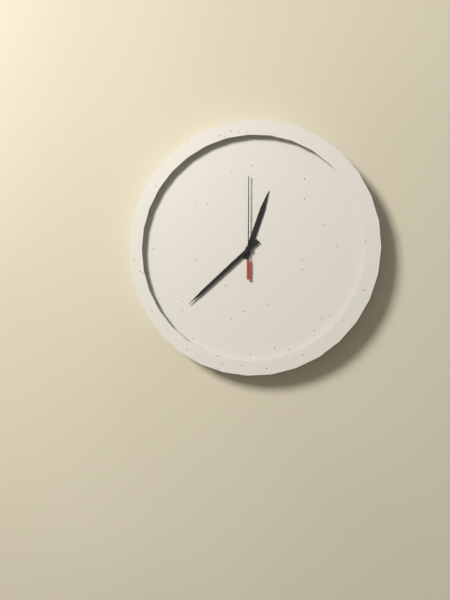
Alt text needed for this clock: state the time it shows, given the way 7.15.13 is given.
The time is 12.38.00
